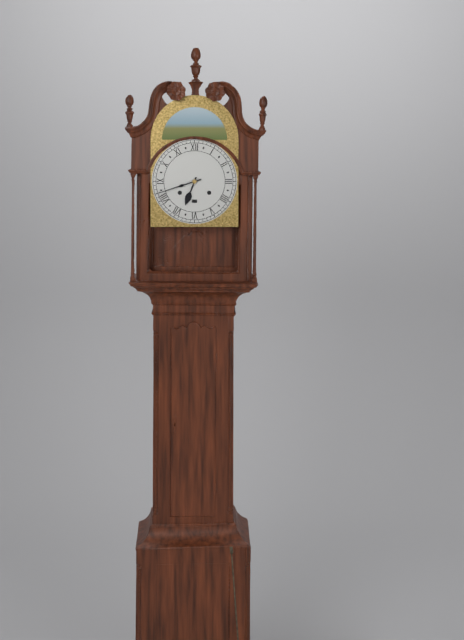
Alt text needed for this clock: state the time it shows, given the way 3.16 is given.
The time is 6.42
